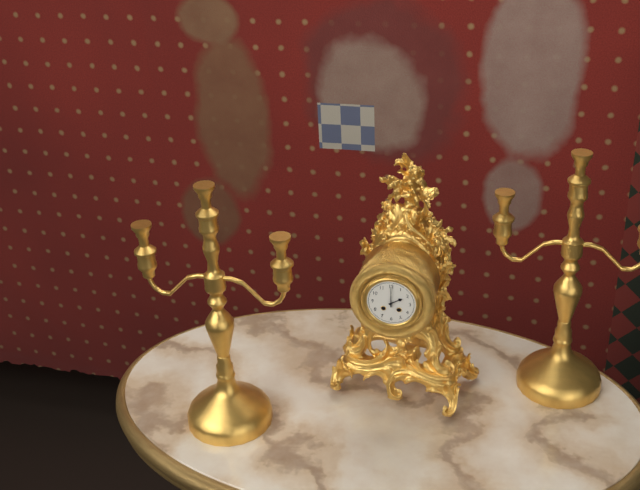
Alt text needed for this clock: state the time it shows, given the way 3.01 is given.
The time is 2.00
